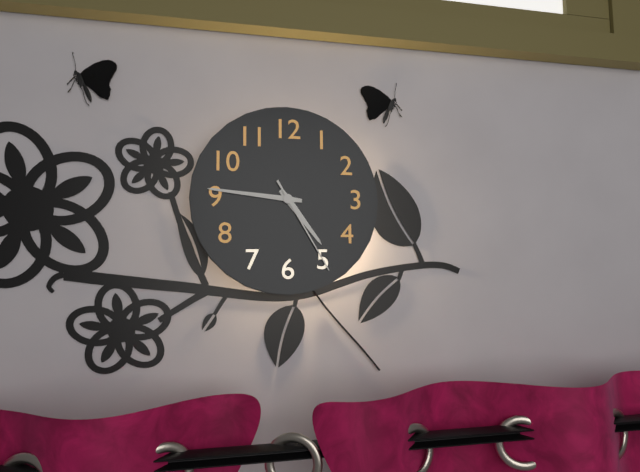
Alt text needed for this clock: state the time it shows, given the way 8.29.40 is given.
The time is 4.46.25
